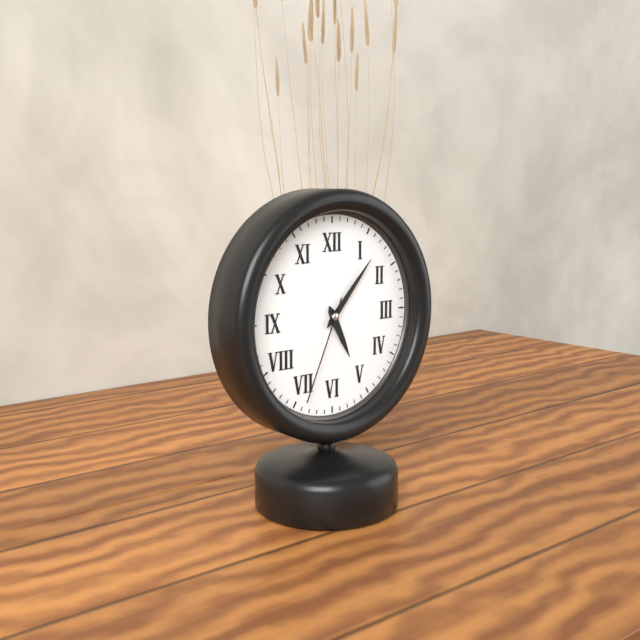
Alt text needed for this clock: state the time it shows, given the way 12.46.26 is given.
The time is 5.07.34
